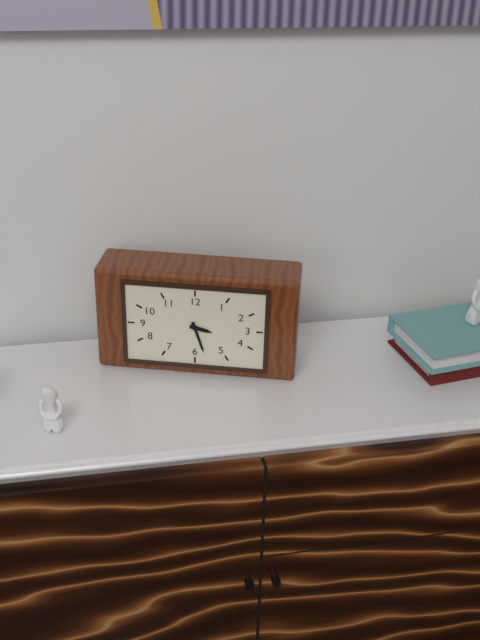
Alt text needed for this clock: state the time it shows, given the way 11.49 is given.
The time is 3.27
